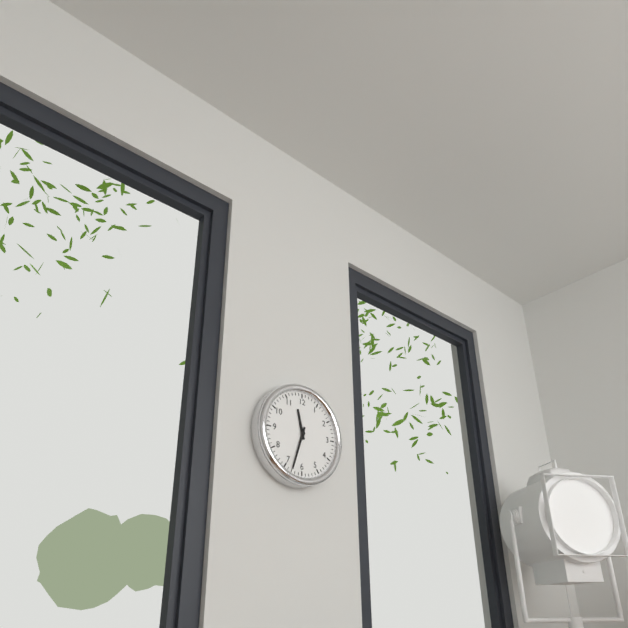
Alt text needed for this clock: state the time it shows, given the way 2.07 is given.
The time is 11.33
